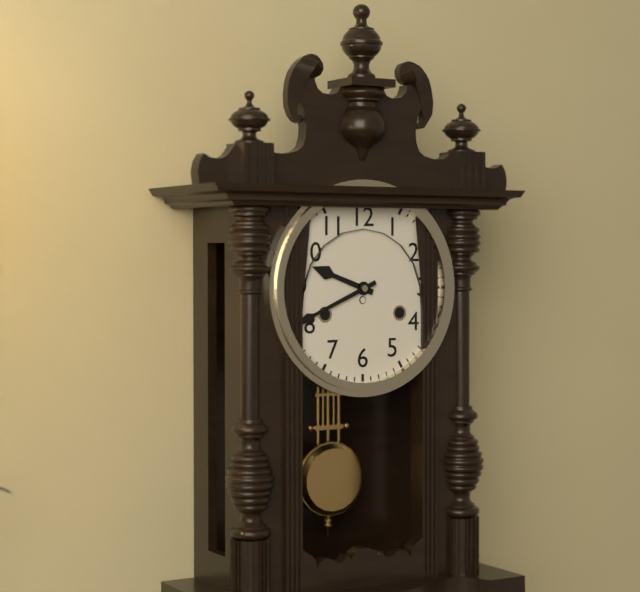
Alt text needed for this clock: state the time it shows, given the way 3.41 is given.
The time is 9.41
